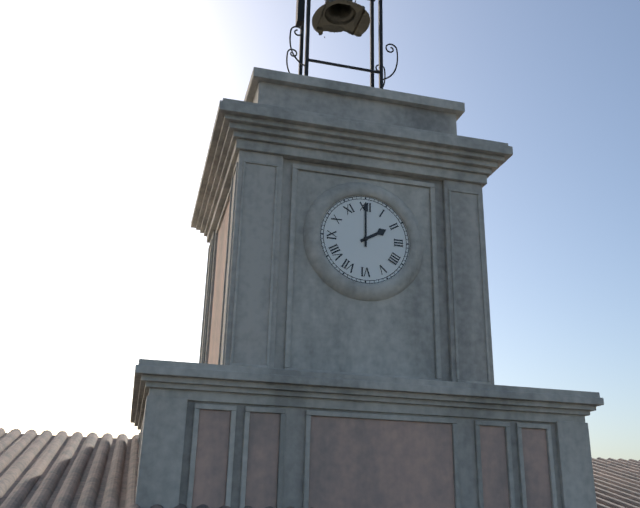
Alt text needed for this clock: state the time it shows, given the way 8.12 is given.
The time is 2.00
